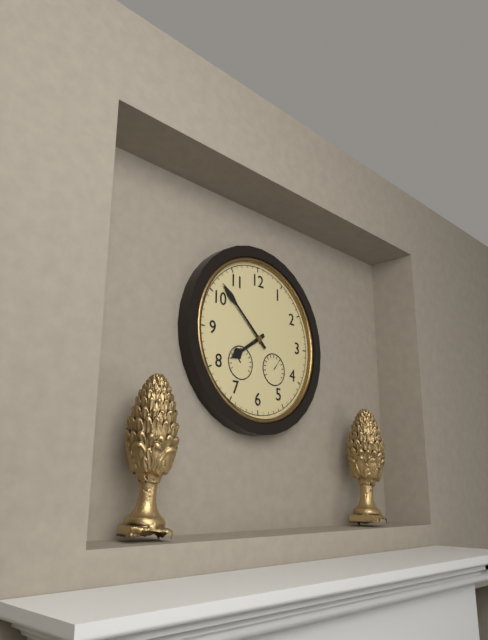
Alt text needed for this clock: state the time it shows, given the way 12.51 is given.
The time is 7.52
